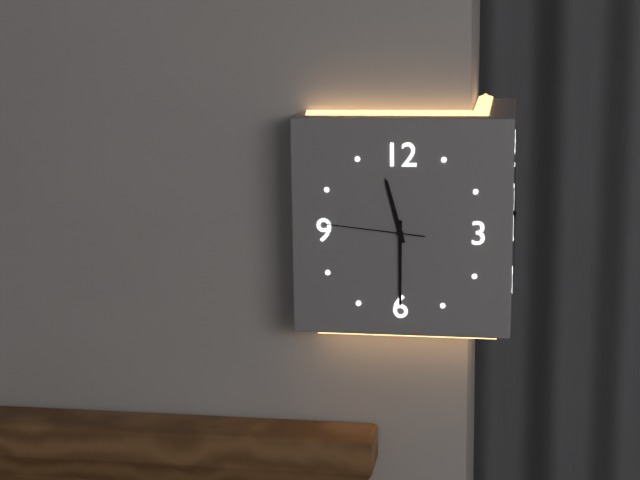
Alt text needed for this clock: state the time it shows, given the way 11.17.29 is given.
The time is 11.30.46
